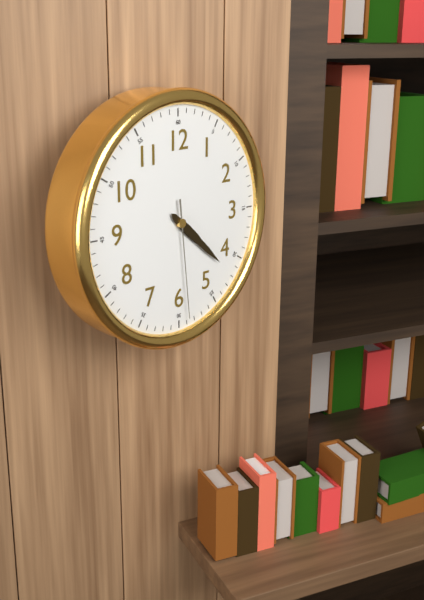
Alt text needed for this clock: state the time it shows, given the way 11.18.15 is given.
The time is 4.22.29
